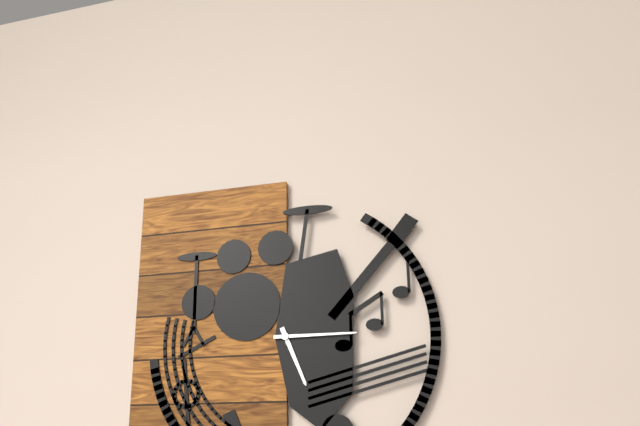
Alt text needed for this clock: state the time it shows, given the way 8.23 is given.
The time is 5.15
